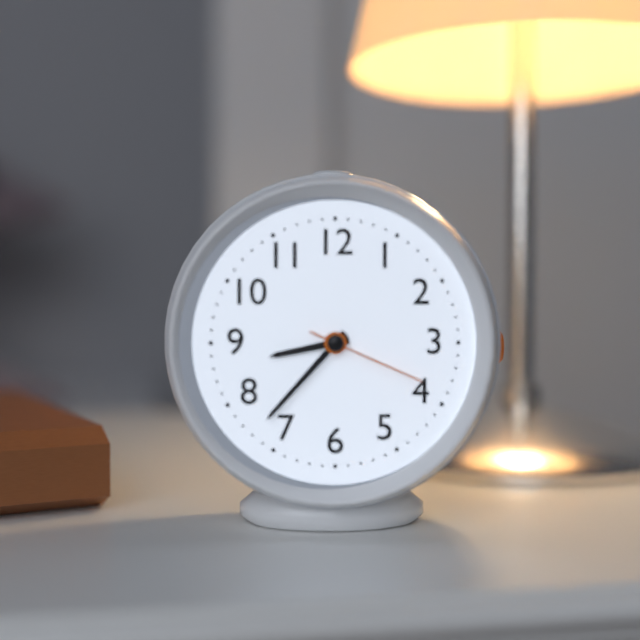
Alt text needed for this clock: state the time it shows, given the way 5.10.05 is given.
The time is 8.37.19
